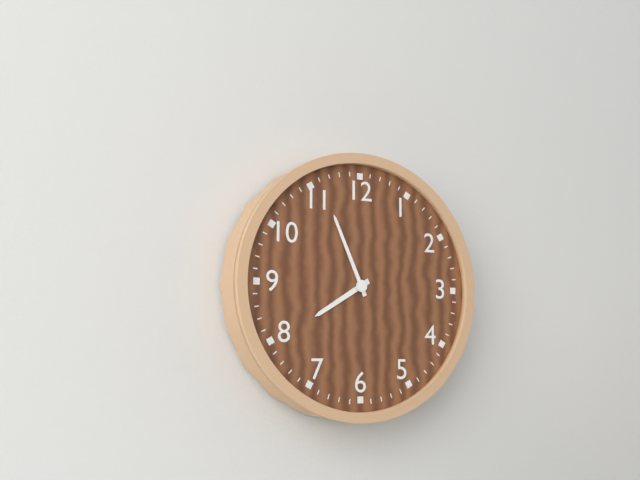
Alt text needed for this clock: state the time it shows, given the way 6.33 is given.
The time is 7.56
